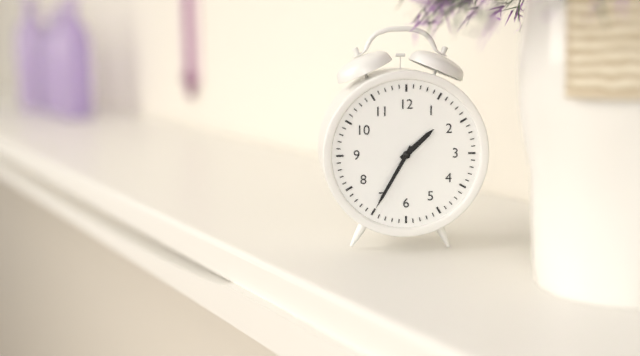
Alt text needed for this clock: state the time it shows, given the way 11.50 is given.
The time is 1.35
